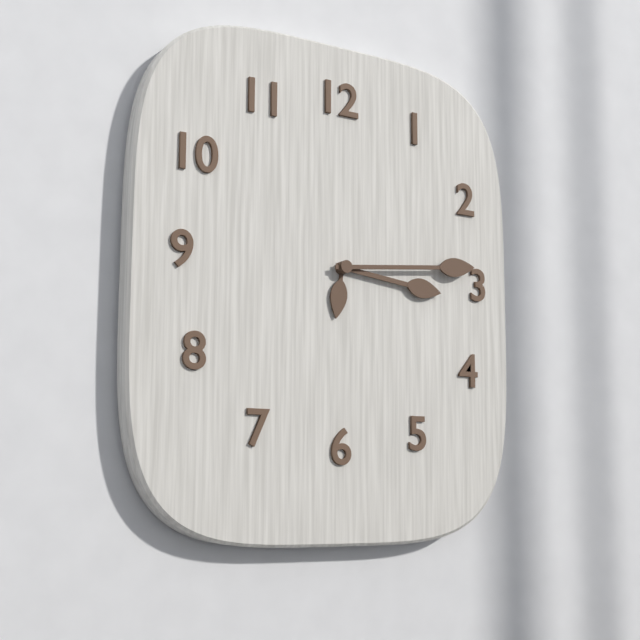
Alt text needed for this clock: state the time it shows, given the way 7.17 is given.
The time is 3.14
